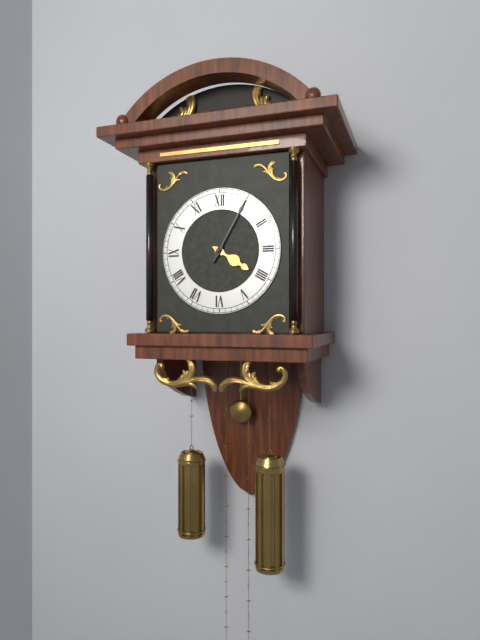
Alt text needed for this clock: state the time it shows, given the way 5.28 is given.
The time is 4.05
